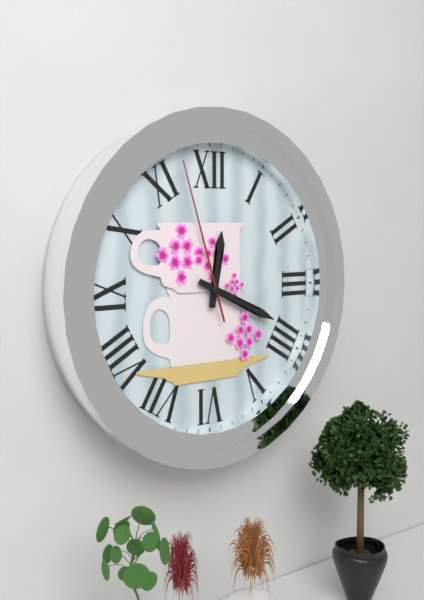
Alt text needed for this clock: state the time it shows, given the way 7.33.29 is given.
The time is 12.19.57
